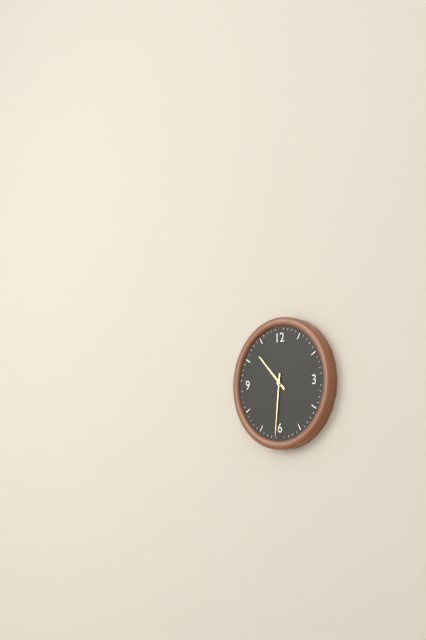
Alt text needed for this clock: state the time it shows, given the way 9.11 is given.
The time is 10.31
